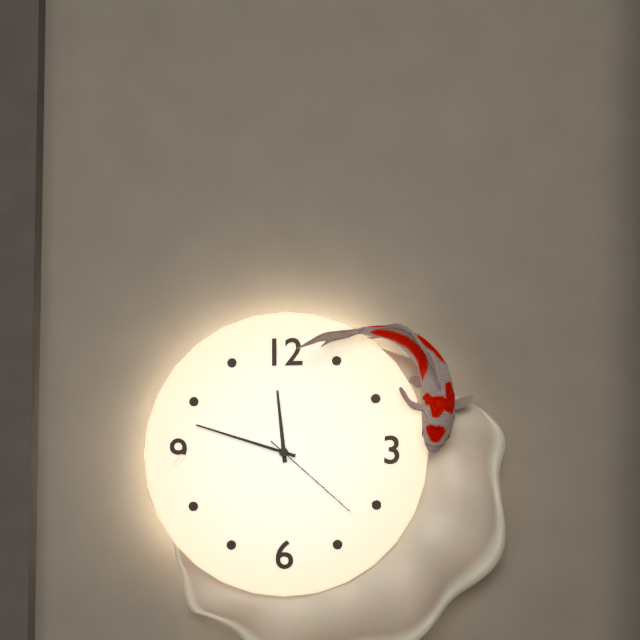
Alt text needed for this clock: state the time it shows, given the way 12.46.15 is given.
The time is 11.48.22
